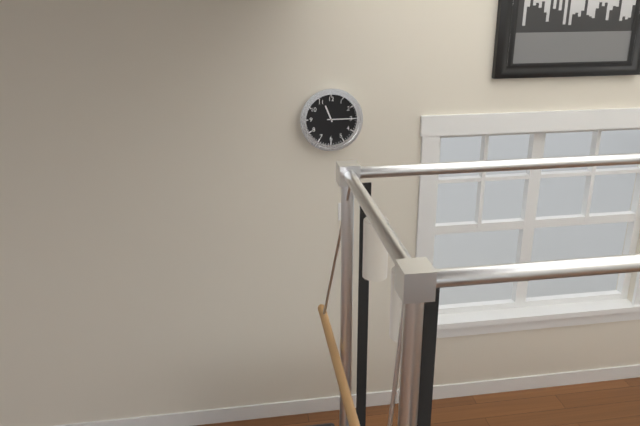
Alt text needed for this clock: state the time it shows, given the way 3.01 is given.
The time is 11.15
